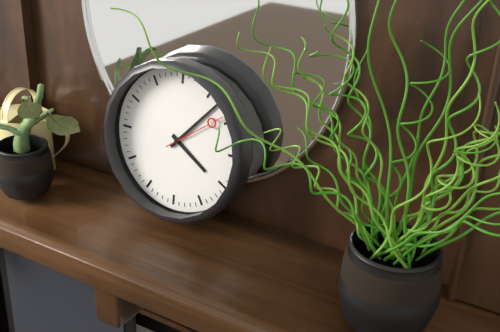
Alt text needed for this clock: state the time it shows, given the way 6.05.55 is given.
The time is 4.07.09
